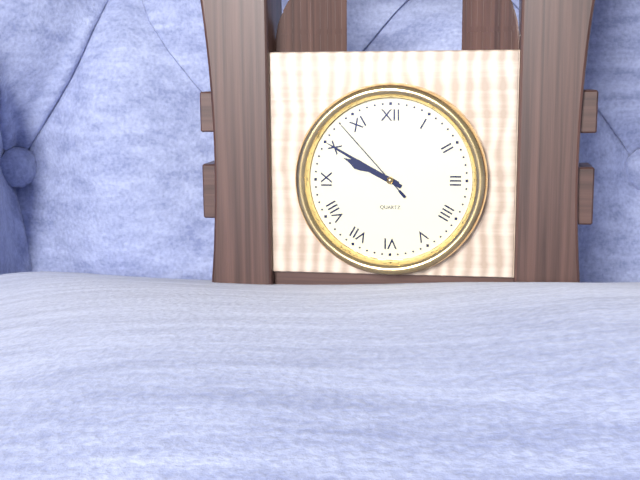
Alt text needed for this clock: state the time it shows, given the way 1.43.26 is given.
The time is 9.50.53
